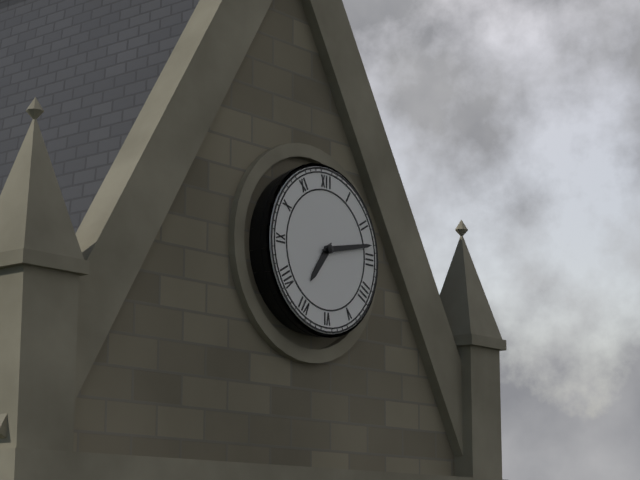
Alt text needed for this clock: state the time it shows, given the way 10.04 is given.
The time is 7.13
